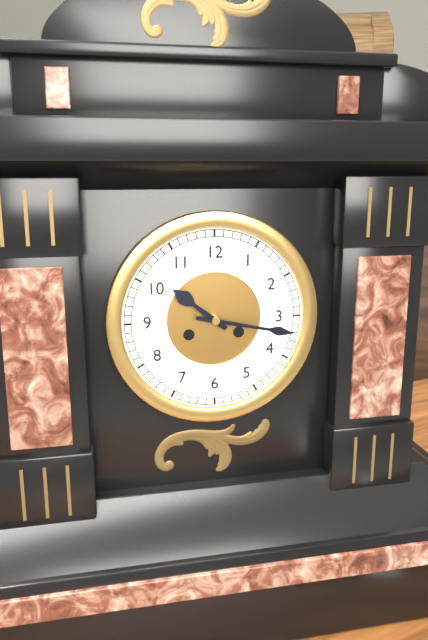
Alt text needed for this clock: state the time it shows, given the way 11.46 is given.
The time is 10.17
